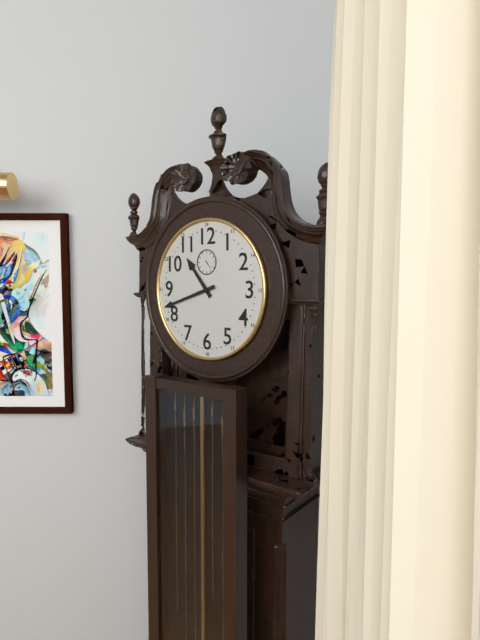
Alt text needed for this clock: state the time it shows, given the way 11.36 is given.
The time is 10.42
